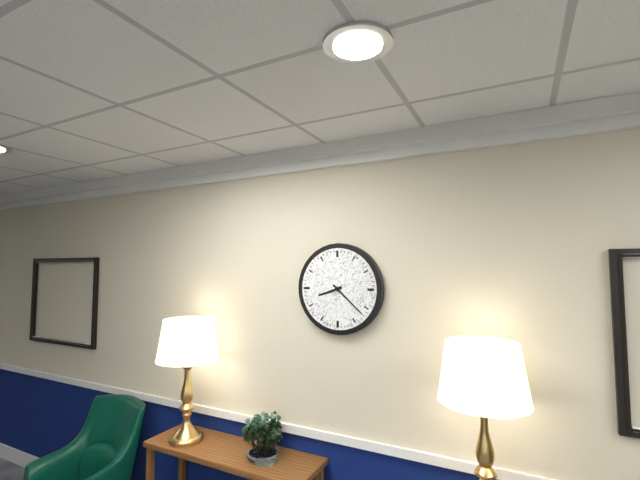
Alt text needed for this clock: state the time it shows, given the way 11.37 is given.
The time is 8.22
